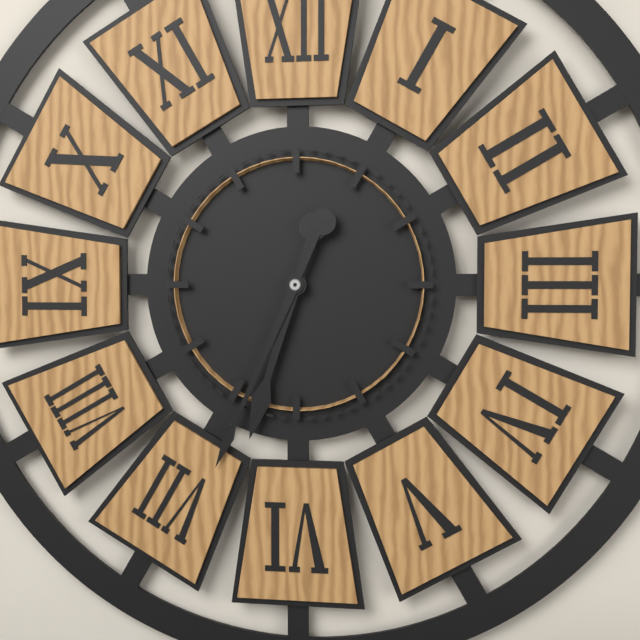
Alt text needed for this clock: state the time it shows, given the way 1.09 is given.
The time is 6.34
